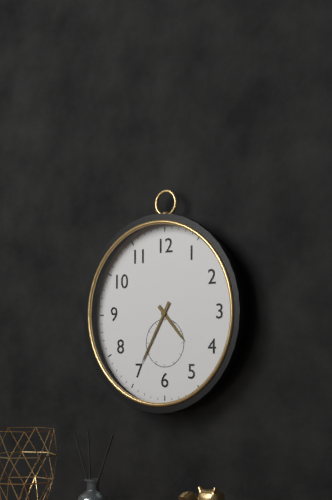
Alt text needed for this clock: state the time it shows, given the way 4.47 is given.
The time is 4.35
